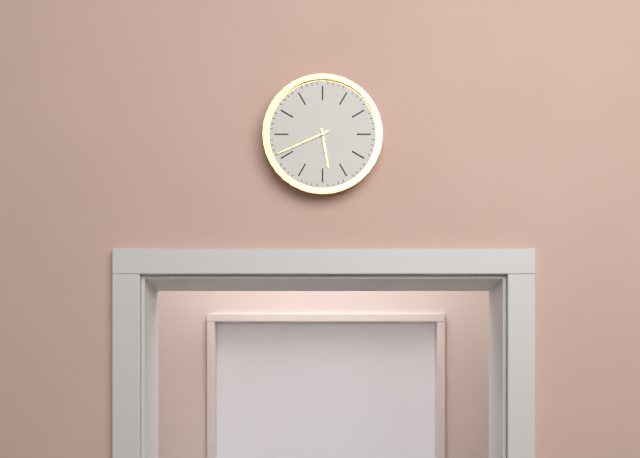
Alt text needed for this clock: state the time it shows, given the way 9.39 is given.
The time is 5.41
